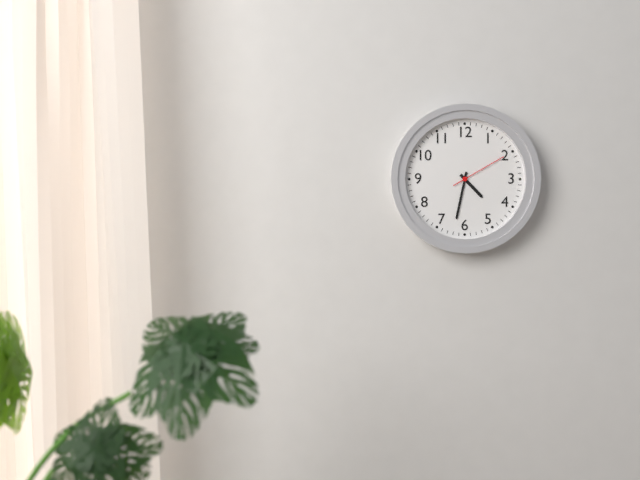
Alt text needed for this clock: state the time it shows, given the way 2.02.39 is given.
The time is 4.32.10
